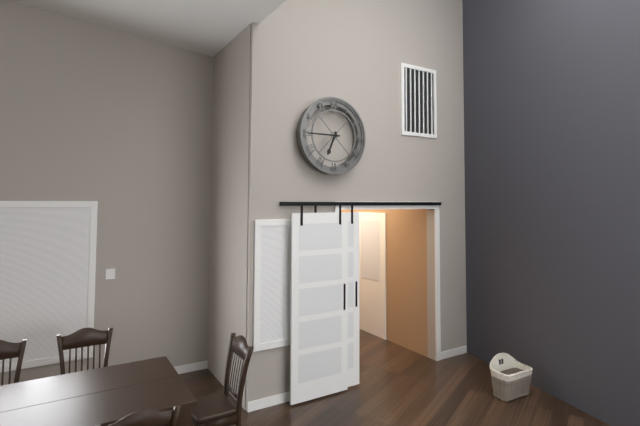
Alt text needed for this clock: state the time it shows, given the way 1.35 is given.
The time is 6.45
